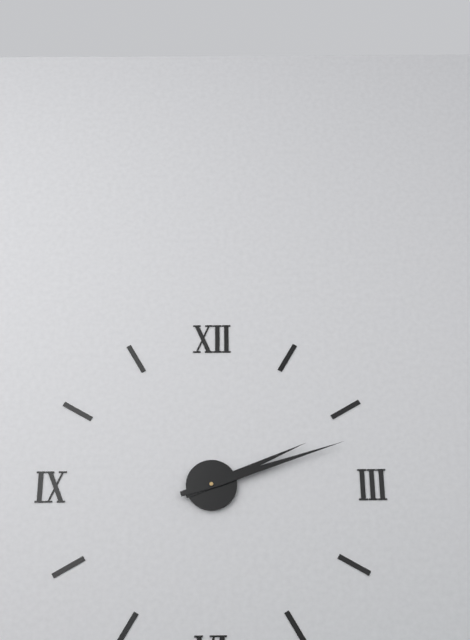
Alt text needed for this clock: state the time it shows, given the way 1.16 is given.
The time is 2.12
